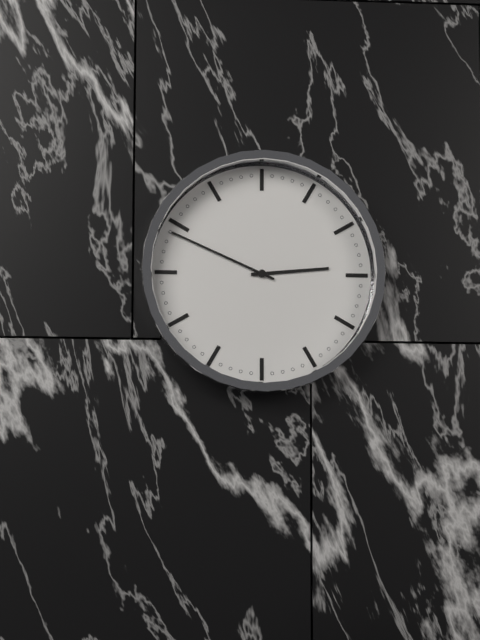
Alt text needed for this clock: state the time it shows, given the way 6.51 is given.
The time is 2.49
